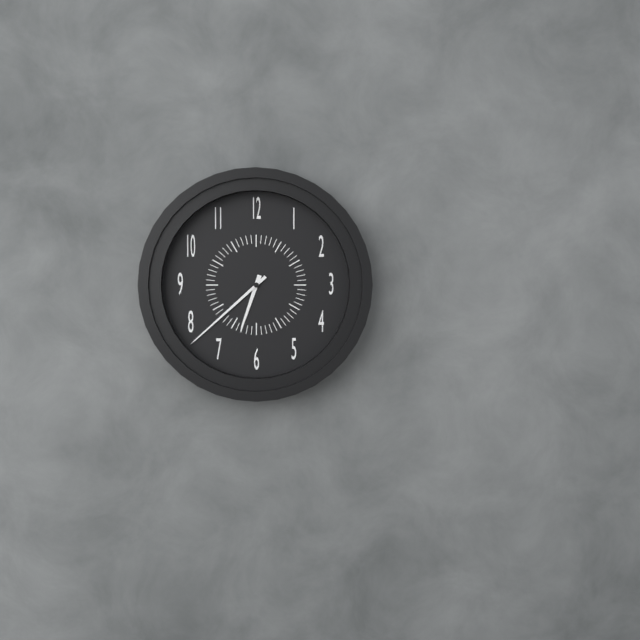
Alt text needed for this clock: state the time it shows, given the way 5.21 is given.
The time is 6.38
